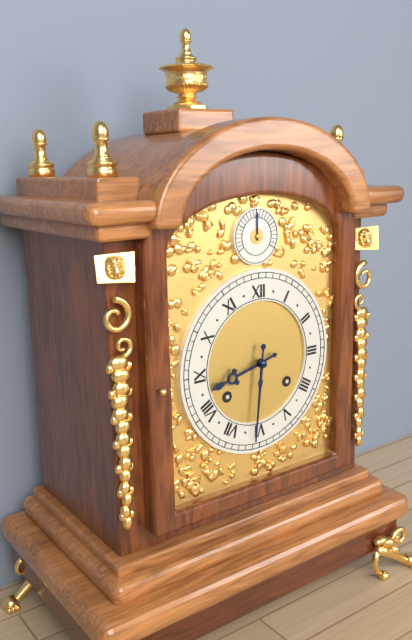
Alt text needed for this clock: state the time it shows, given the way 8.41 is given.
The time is 8.31
